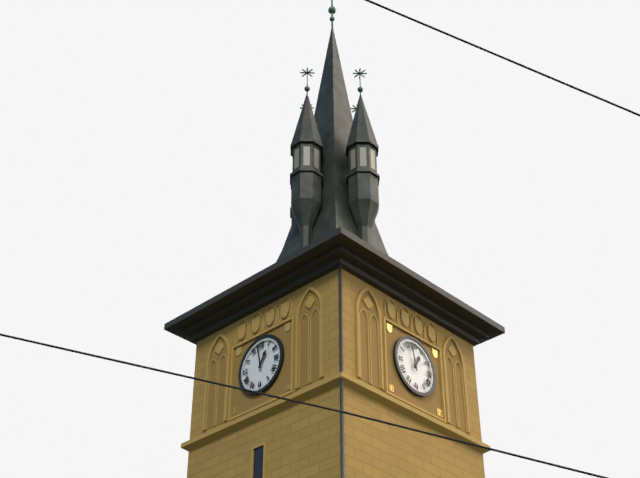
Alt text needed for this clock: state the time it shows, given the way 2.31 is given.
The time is 12.58
